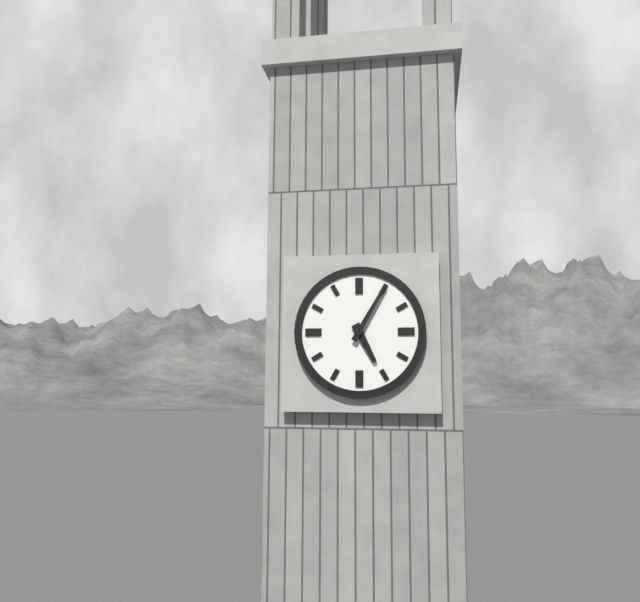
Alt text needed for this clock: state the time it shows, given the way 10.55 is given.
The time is 5.05
